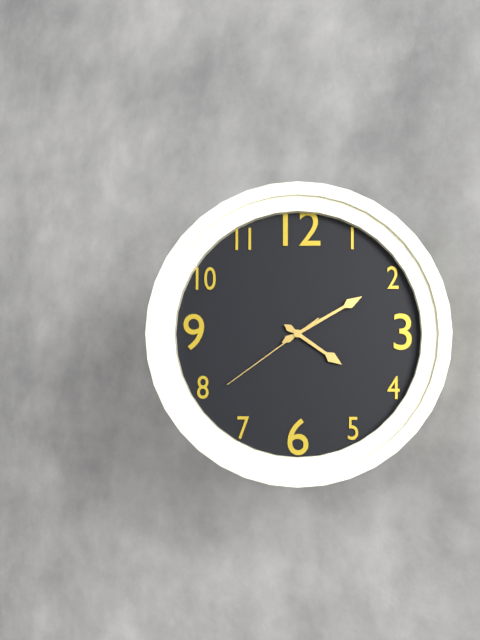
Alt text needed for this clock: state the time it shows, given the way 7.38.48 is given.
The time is 4.10.39
